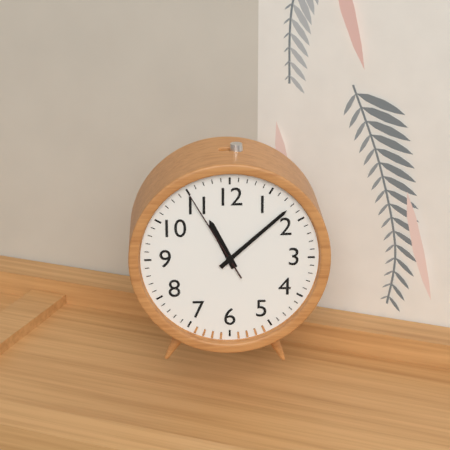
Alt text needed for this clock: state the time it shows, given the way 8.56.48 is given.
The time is 11.08.55
